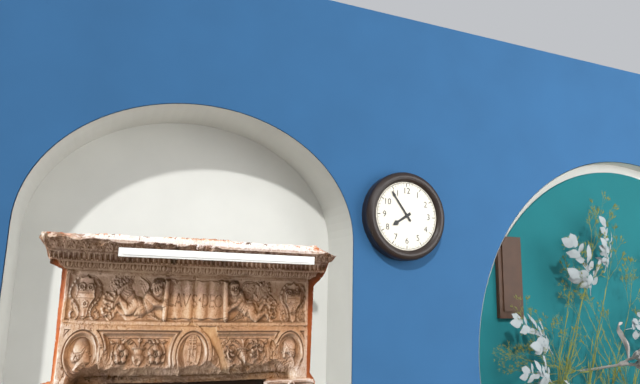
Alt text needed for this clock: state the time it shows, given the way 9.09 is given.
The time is 7.54
